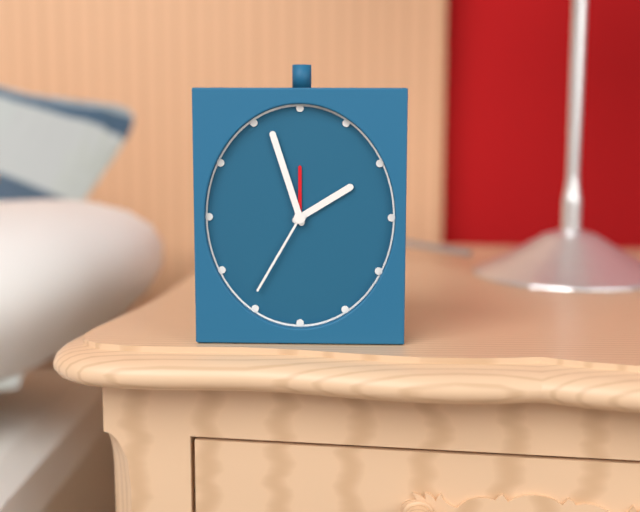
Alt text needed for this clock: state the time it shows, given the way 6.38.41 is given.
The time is 1.57.35
